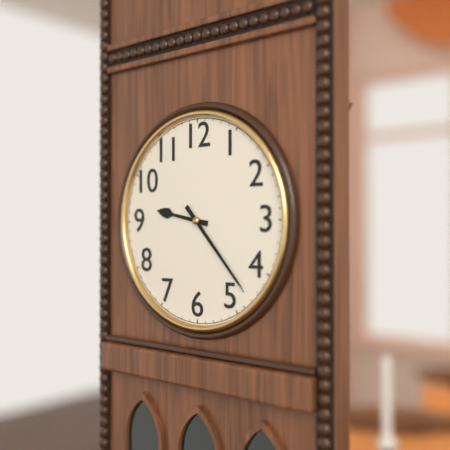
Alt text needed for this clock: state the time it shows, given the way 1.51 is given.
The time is 9.23
